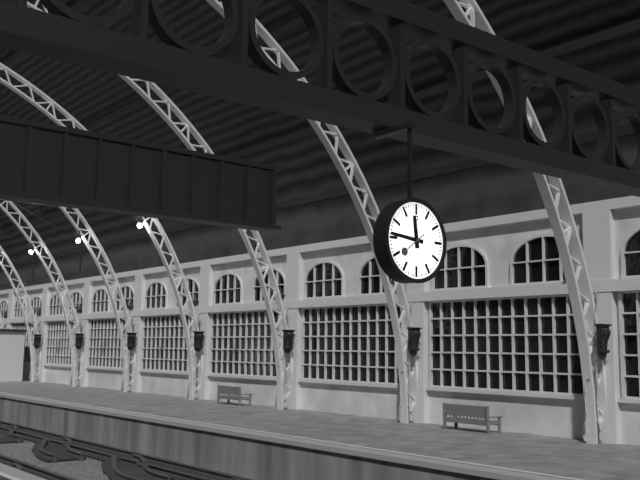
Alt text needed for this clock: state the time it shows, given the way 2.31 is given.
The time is 11.46
